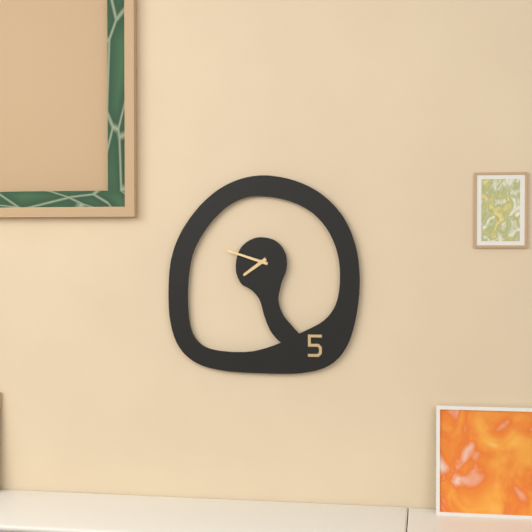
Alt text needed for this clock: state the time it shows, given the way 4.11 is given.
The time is 7.48
